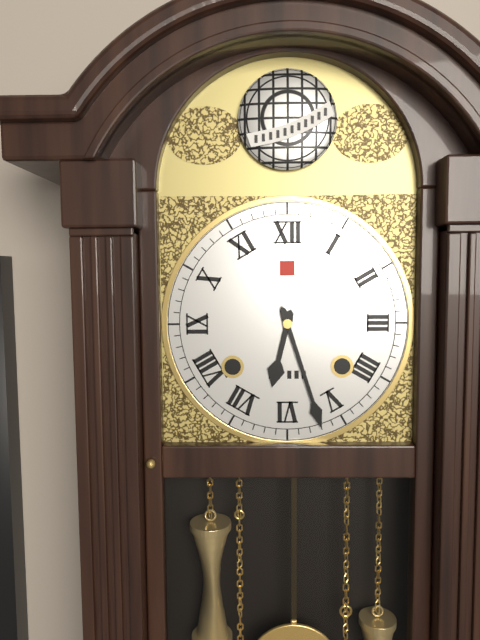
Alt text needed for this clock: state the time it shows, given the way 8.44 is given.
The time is 6.27
